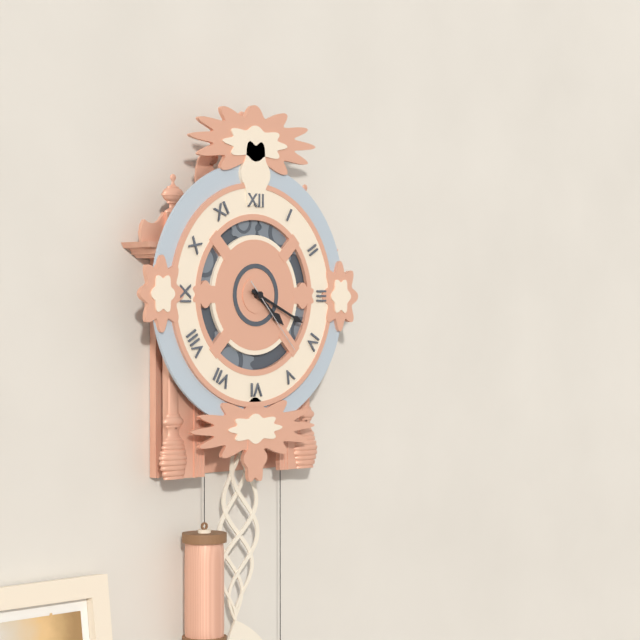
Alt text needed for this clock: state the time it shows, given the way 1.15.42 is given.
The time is 4.19.23
